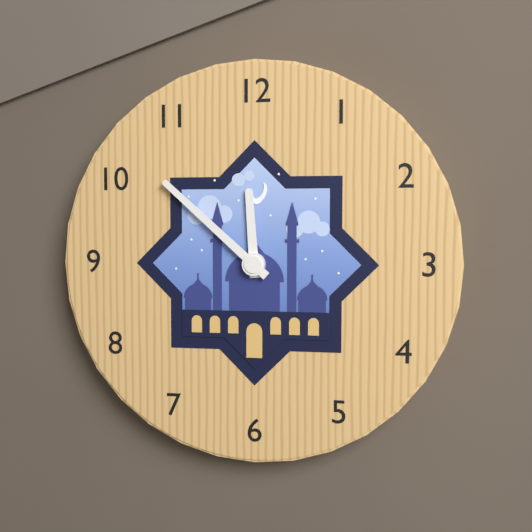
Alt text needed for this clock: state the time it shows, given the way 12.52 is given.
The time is 11.52
